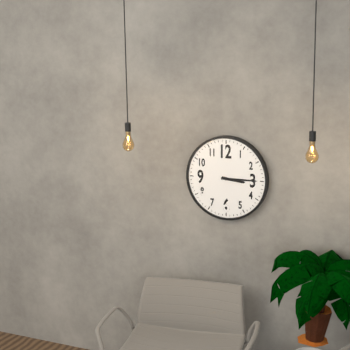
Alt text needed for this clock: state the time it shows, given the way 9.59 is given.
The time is 3.15
